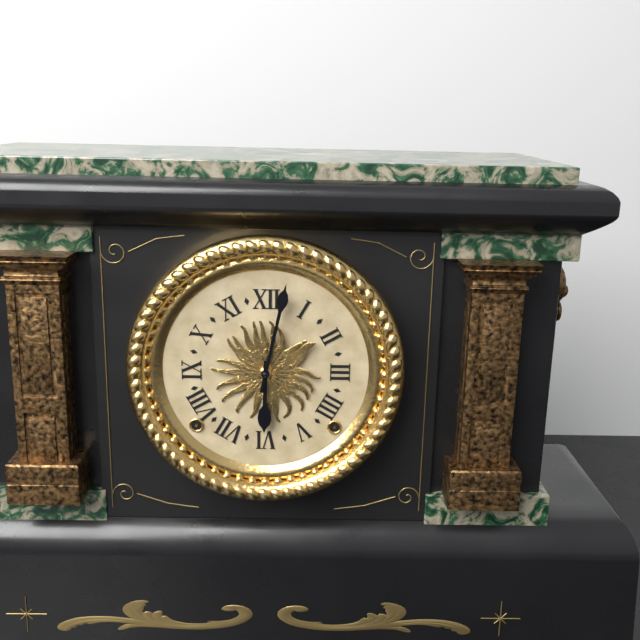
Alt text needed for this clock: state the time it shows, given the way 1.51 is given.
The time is 6.02
